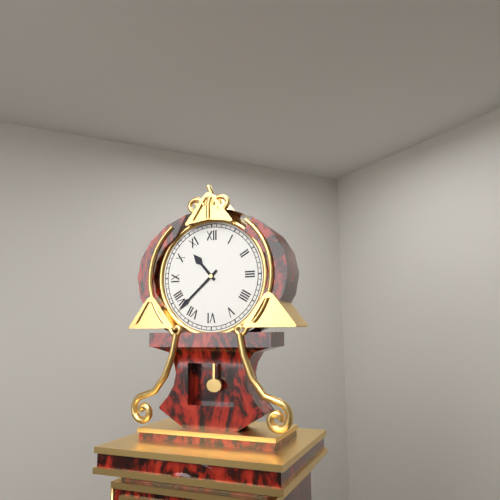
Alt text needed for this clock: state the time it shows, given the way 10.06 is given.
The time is 10.38
